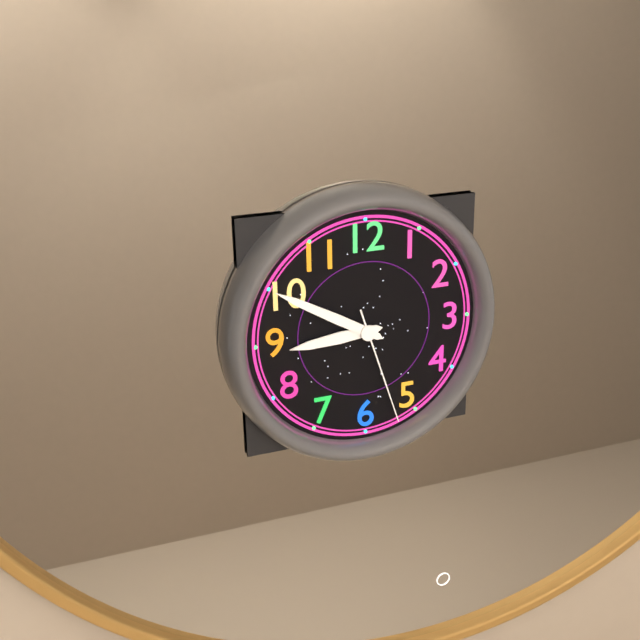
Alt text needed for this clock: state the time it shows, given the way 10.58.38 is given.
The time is 8.50.27
